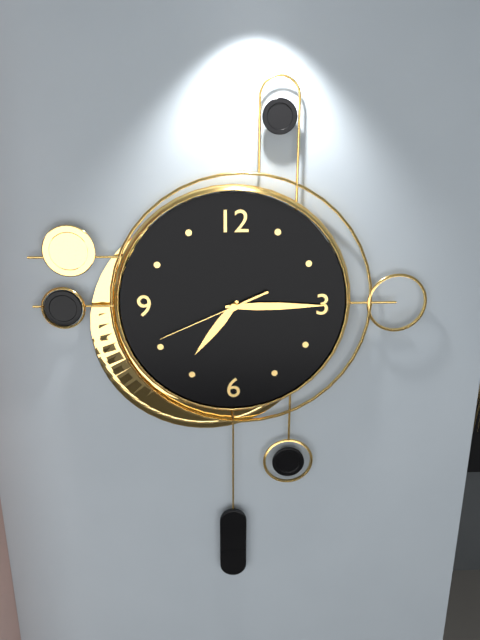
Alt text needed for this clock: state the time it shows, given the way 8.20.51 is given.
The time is 7.15.41
